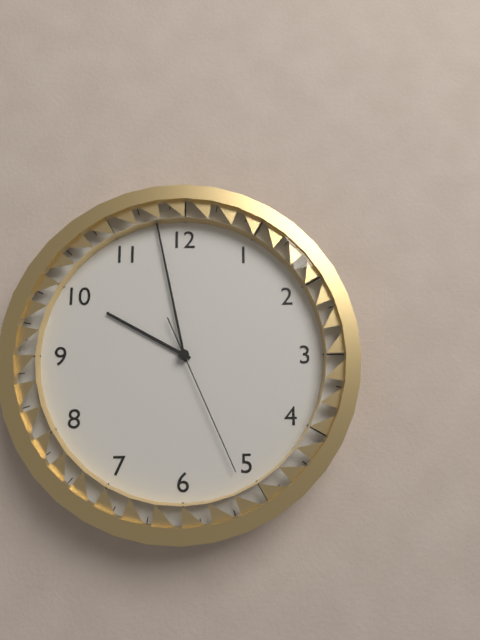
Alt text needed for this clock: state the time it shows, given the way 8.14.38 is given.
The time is 9.58.26
